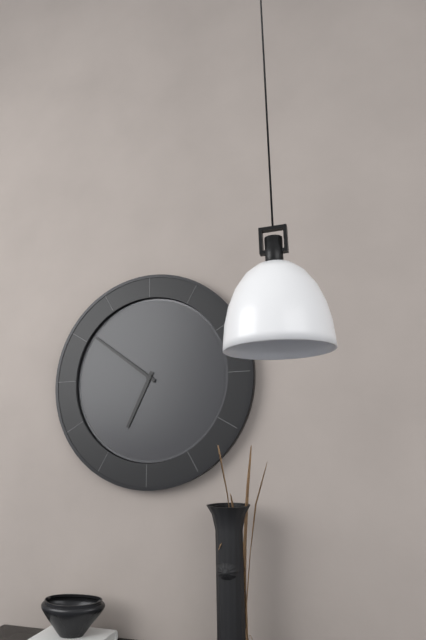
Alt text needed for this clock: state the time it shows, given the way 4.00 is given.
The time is 6.51
